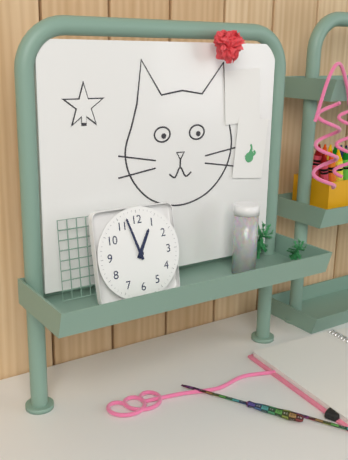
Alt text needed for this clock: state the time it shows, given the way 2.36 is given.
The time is 12.57
